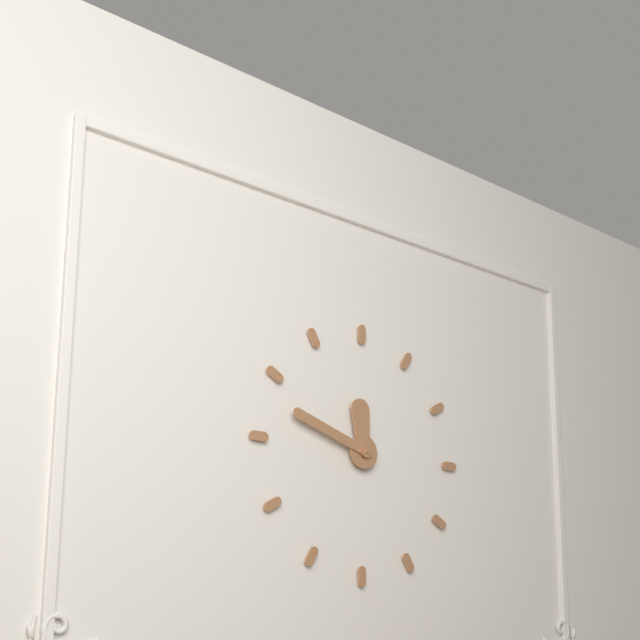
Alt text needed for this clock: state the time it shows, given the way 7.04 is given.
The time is 11.48
